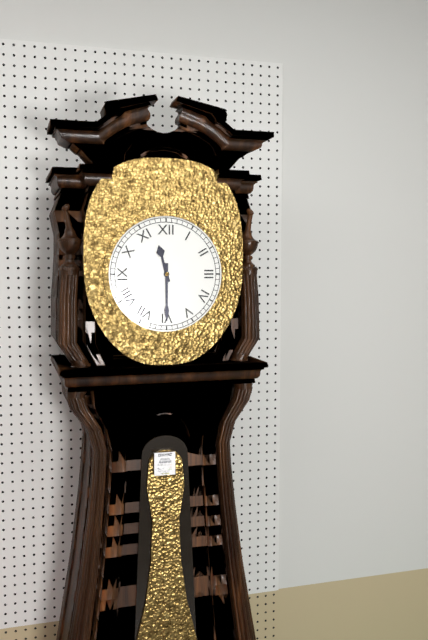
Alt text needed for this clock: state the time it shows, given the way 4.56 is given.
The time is 11.30
